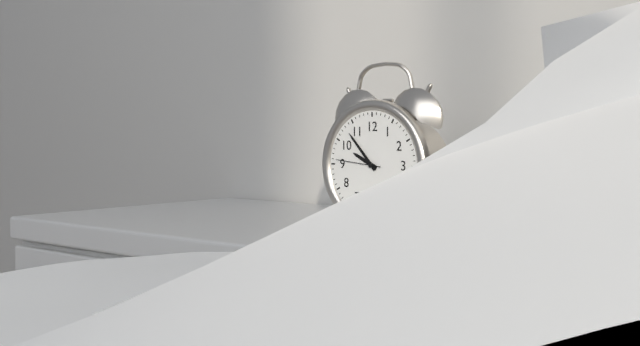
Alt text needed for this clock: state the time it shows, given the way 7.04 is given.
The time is 9.53
